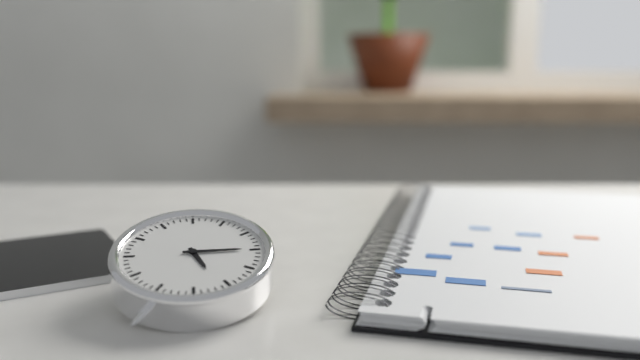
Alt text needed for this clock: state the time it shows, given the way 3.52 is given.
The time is 5.15
